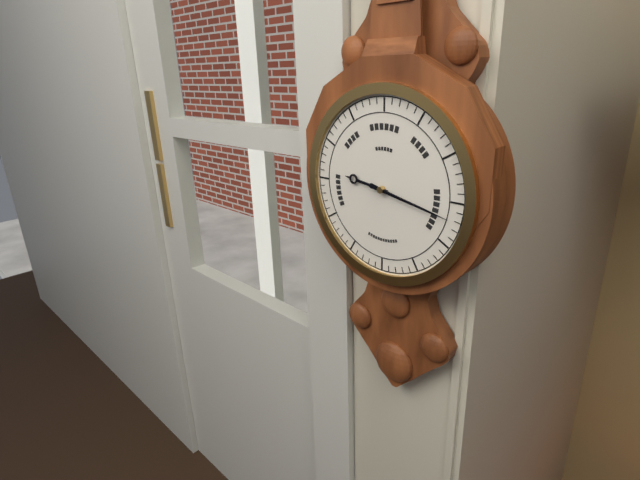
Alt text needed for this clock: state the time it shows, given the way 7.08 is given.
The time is 9.17
